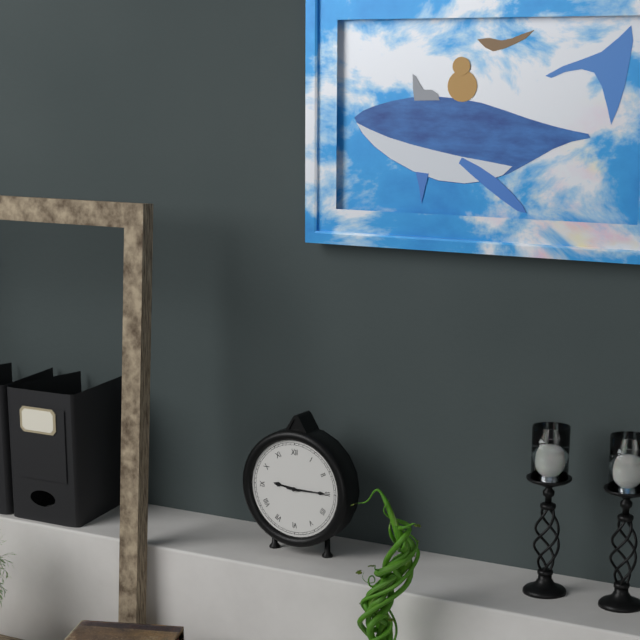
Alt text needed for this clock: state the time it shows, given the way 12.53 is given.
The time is 9.15
